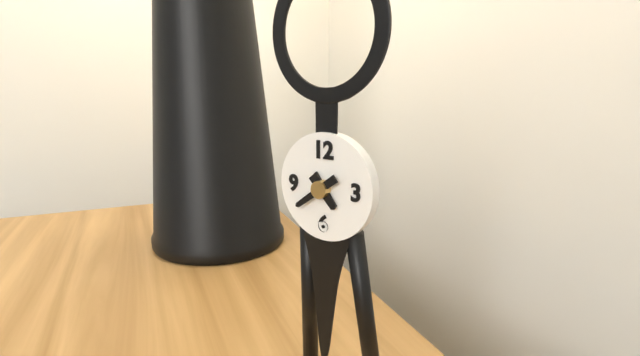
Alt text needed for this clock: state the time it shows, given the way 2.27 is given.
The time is 4.39
